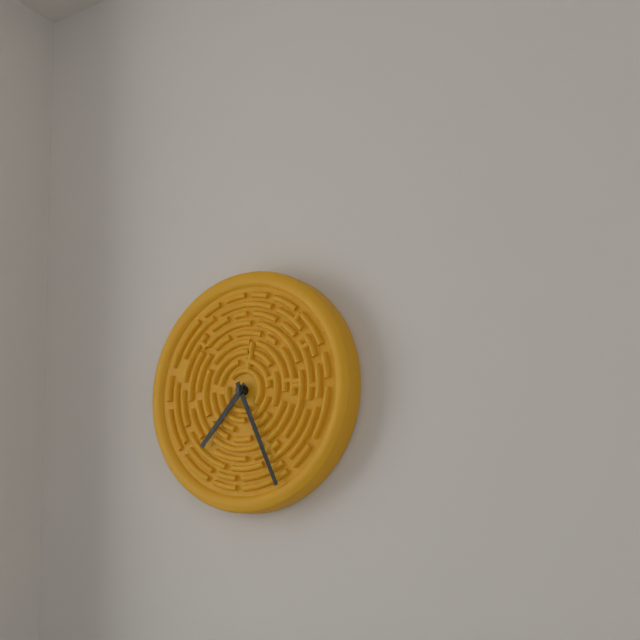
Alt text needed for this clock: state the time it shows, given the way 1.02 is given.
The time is 7.26
